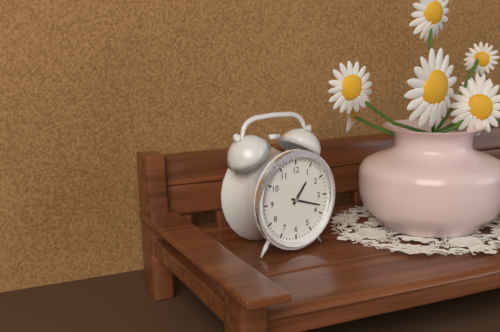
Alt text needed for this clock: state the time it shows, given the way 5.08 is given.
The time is 1.18
